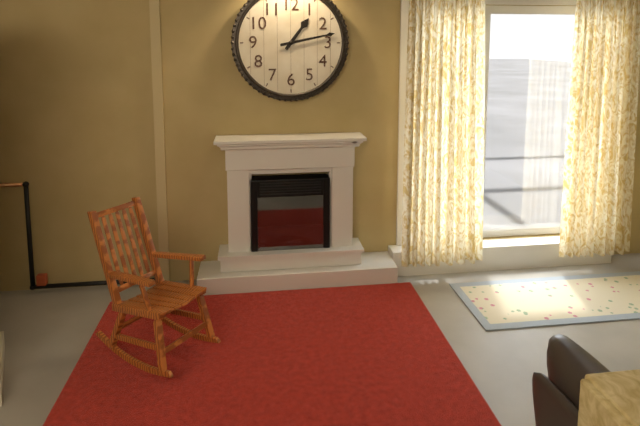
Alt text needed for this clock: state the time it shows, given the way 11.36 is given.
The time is 1.13
